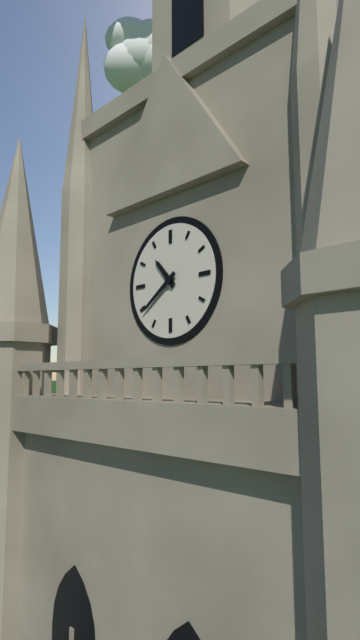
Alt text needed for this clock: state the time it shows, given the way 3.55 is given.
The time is 10.39
